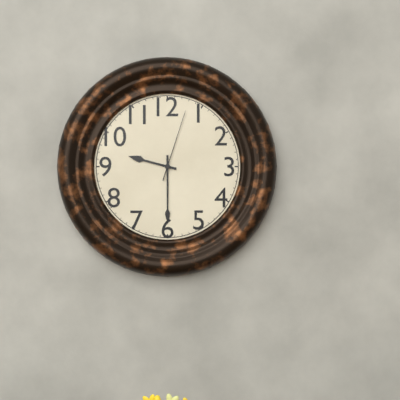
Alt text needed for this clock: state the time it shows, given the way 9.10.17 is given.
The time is 9.30.03
